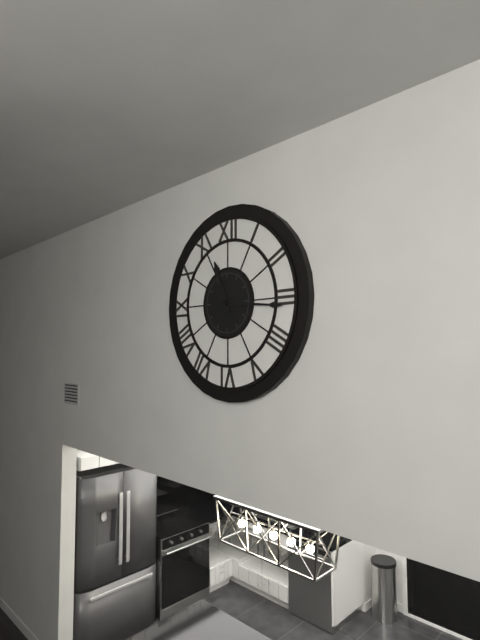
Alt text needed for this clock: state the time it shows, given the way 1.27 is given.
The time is 11.16
